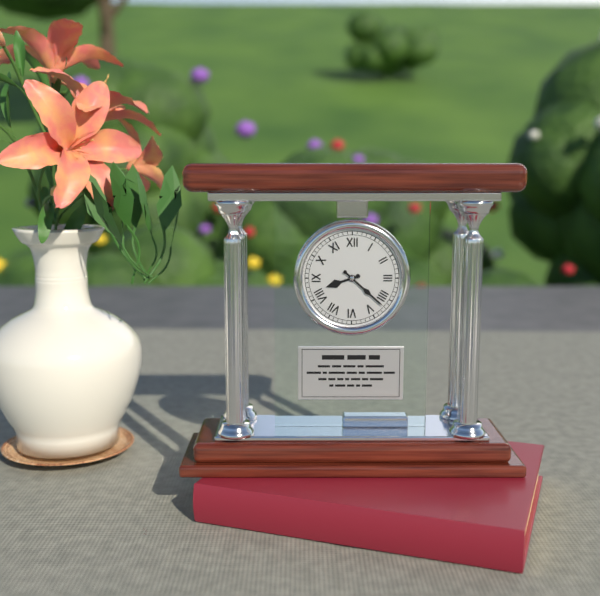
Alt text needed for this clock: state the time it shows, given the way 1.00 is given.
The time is 8.22
